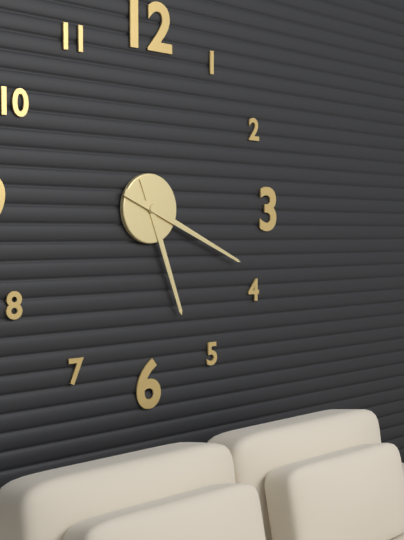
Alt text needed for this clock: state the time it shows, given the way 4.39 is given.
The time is 5.19
